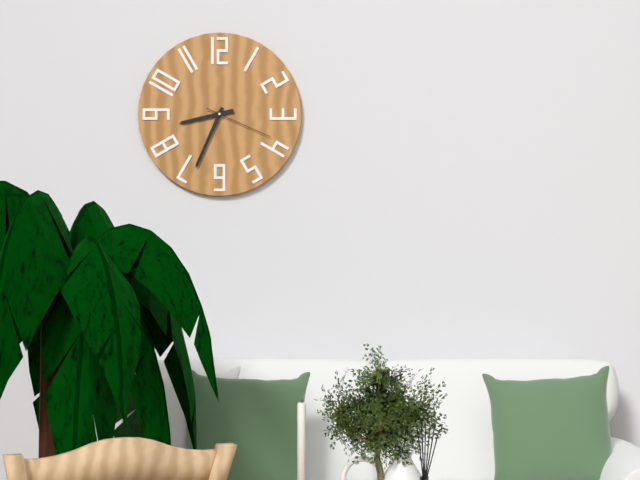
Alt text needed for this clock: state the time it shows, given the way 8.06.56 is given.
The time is 8.34.19
